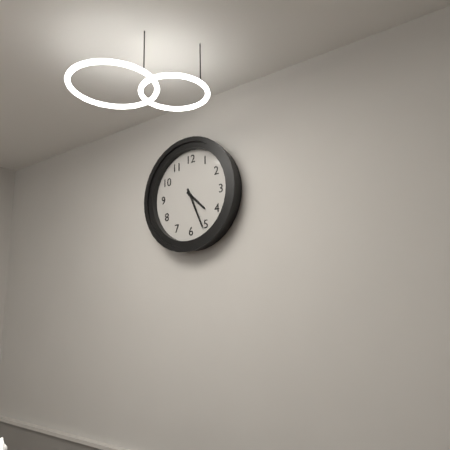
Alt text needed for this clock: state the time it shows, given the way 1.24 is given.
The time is 4.26
